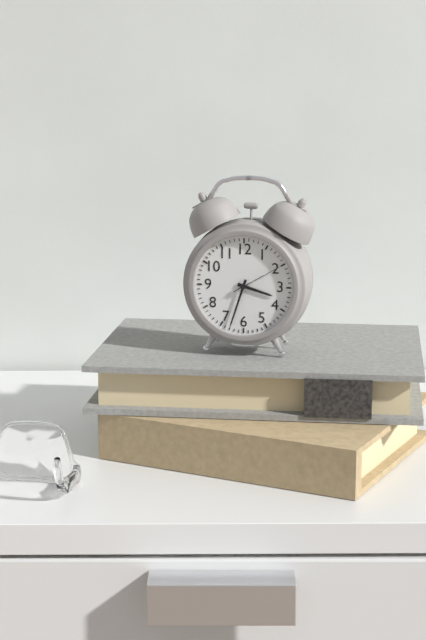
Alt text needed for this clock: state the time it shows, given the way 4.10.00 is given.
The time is 3.33.10
